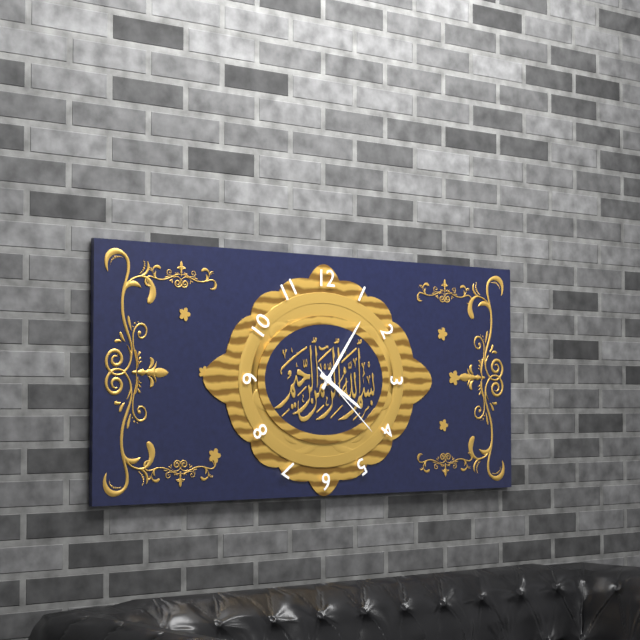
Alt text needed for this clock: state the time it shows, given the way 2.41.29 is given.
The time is 4.06.22
